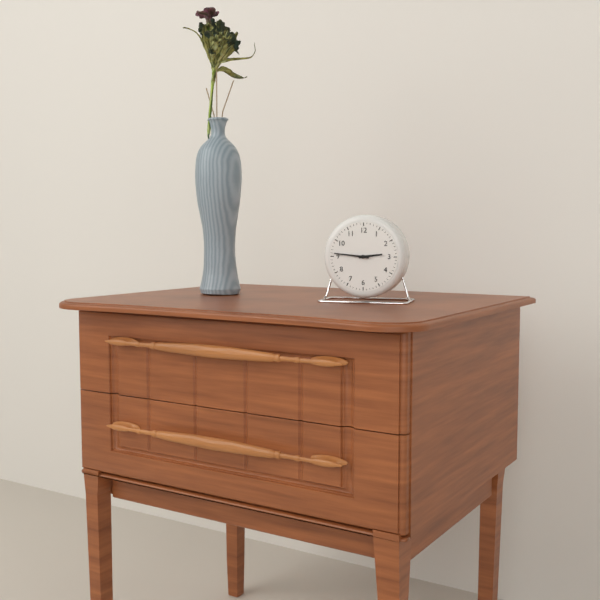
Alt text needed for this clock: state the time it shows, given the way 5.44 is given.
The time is 2.46
